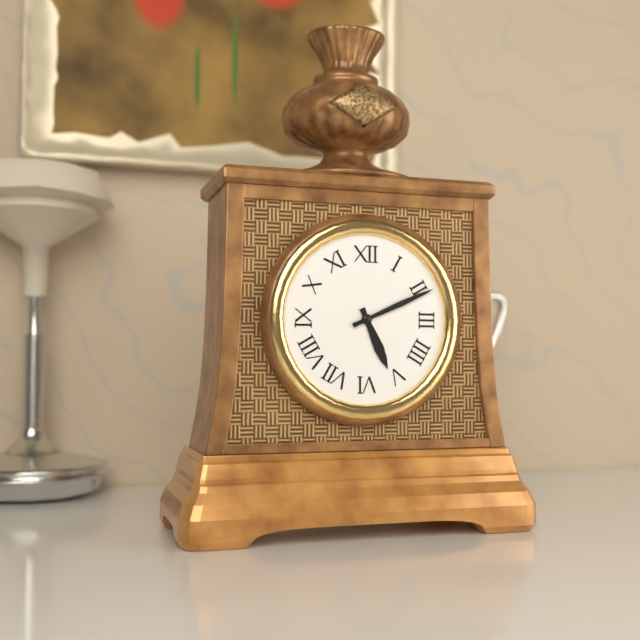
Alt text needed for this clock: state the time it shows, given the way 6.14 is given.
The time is 5.11
